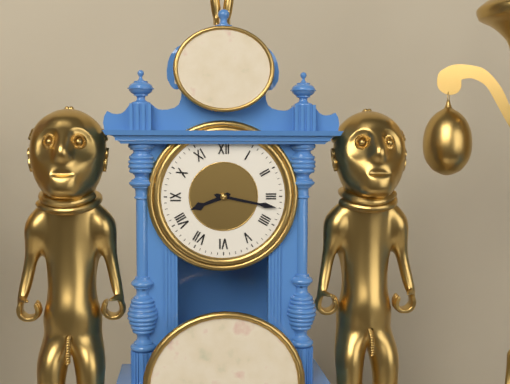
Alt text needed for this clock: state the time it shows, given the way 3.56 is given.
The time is 8.17
